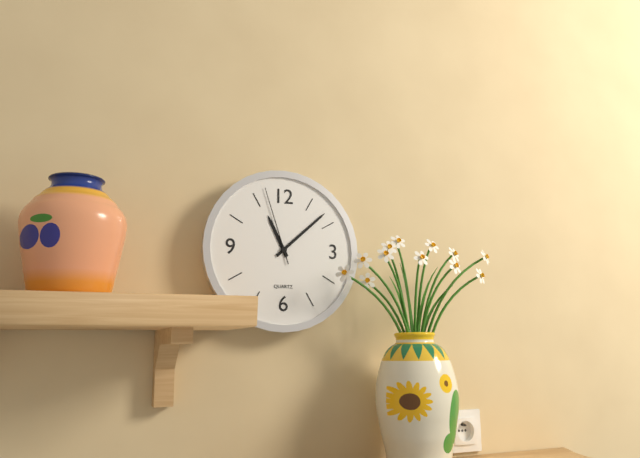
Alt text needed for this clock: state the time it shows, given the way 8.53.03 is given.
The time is 11.08.57
